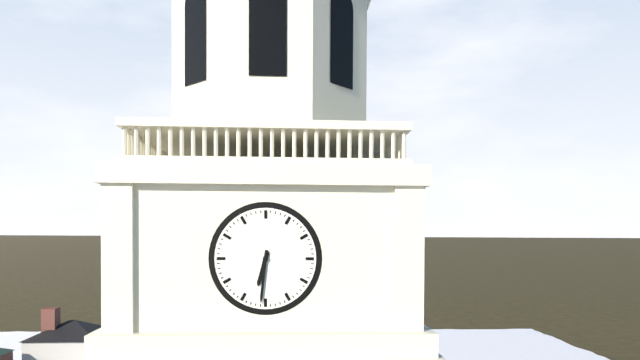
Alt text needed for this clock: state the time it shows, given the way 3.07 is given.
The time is 6.31
